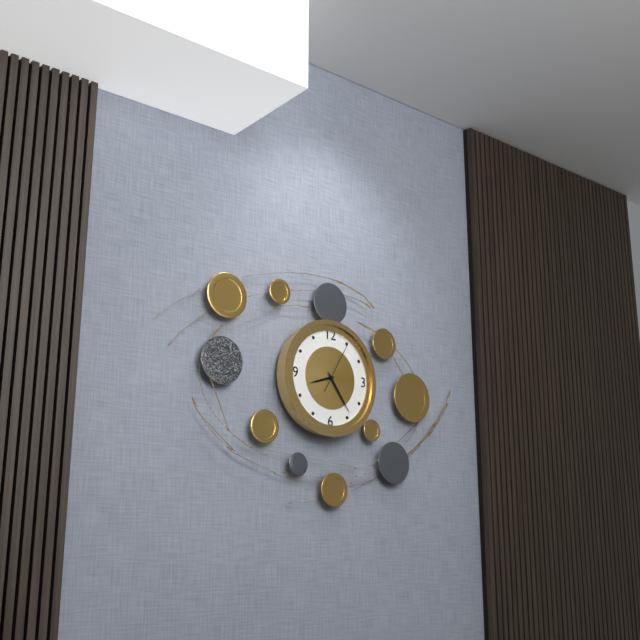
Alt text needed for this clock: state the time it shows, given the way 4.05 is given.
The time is 8.24
